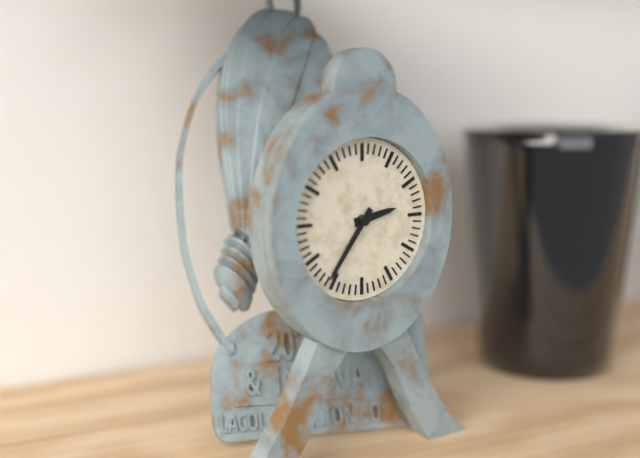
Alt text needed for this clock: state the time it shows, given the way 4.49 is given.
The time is 2.36
